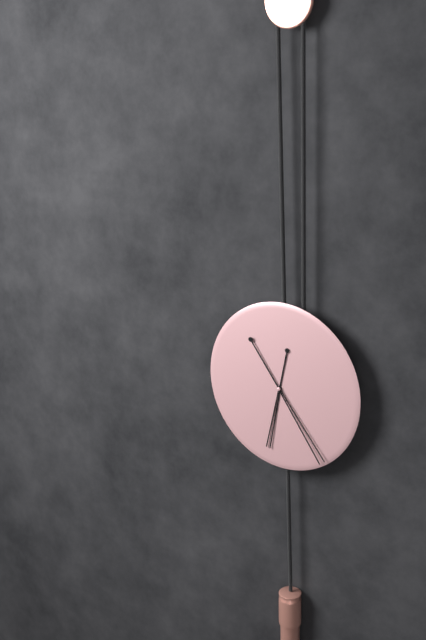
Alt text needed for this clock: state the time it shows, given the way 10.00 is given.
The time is 6.24
